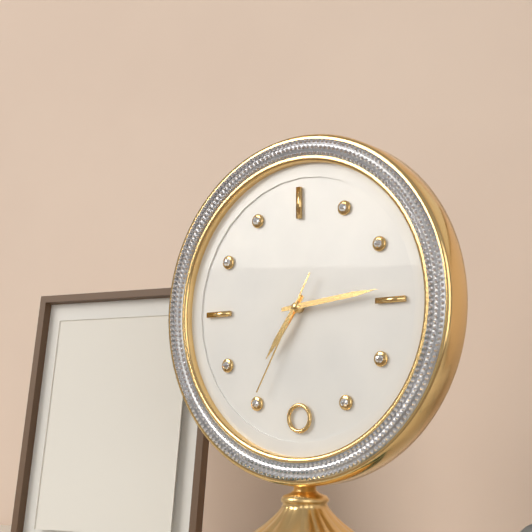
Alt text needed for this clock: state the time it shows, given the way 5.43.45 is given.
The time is 7.14.35
